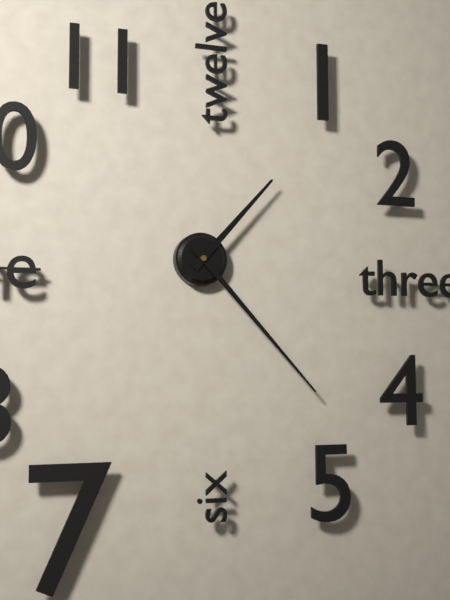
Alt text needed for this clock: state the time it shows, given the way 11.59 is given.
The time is 1.23
